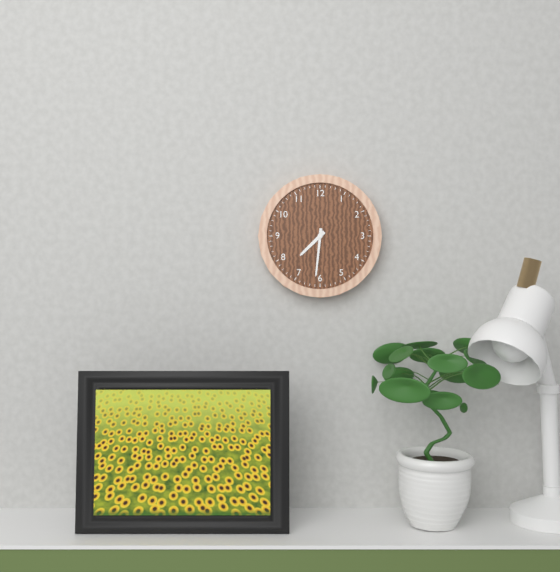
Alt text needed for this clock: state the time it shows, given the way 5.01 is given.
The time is 7.31
